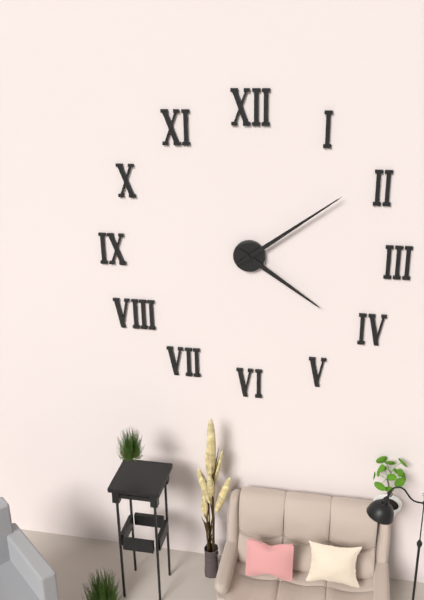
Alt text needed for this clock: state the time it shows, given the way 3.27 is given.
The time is 4.09
